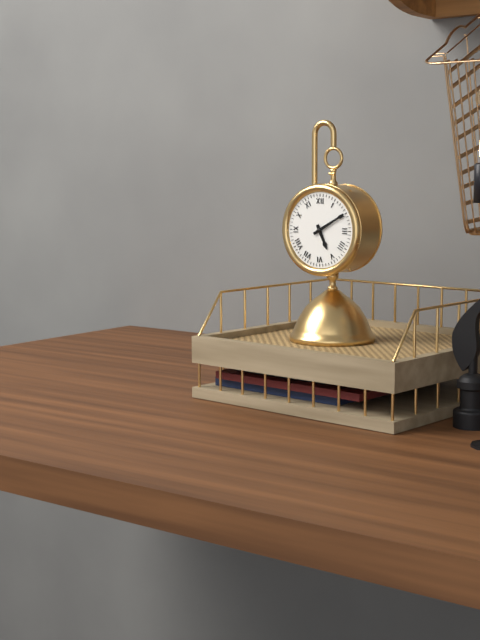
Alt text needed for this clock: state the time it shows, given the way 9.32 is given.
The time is 5.10
